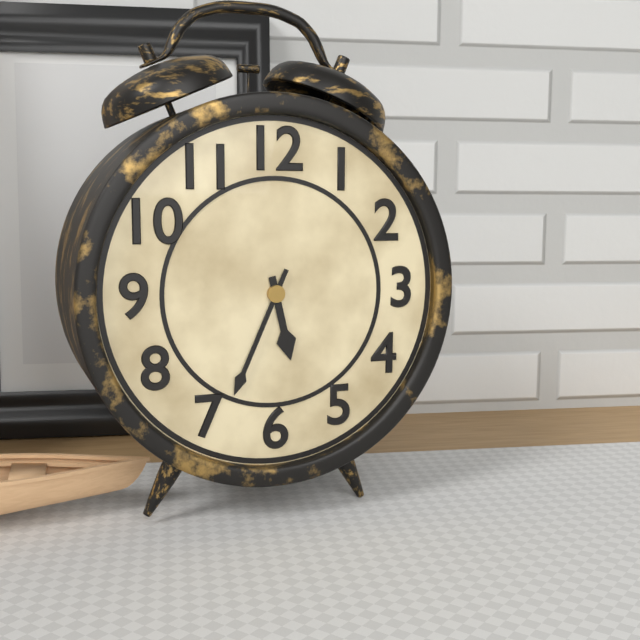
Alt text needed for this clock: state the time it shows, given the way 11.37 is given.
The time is 5.34
